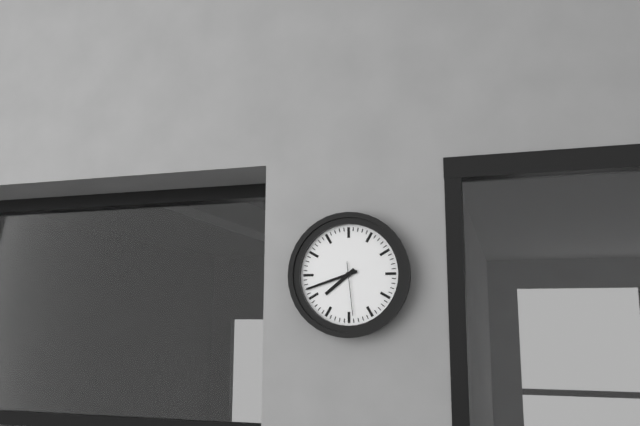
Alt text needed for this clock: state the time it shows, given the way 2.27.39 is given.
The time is 7.42.29
